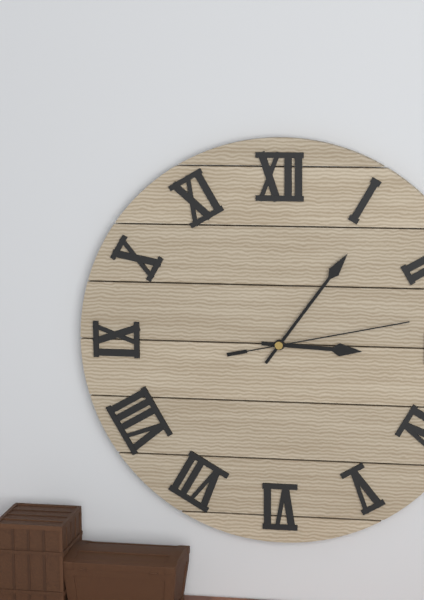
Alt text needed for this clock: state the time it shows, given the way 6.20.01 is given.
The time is 3.06.13
